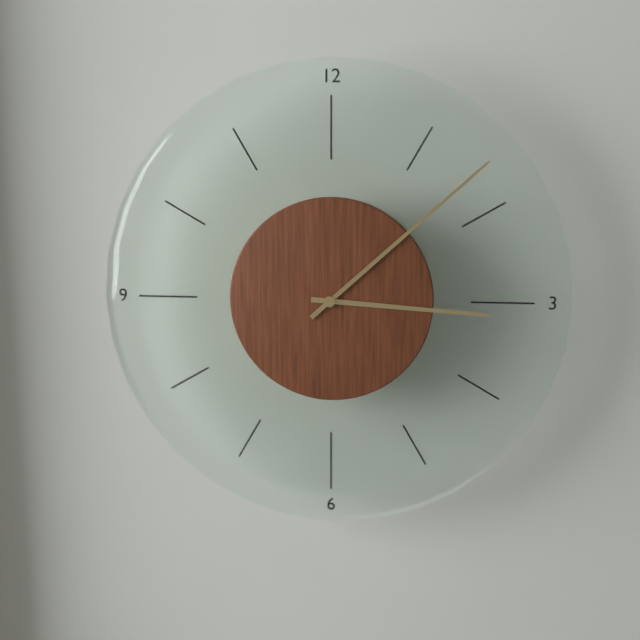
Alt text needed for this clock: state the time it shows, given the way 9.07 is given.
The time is 3.08
